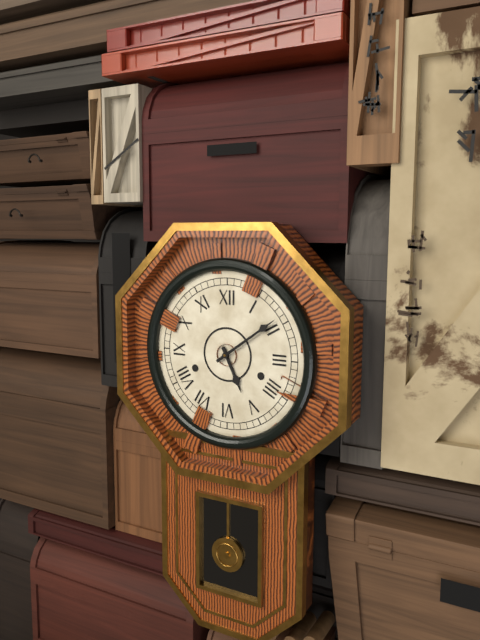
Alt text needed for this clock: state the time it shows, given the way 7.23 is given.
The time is 5.09
